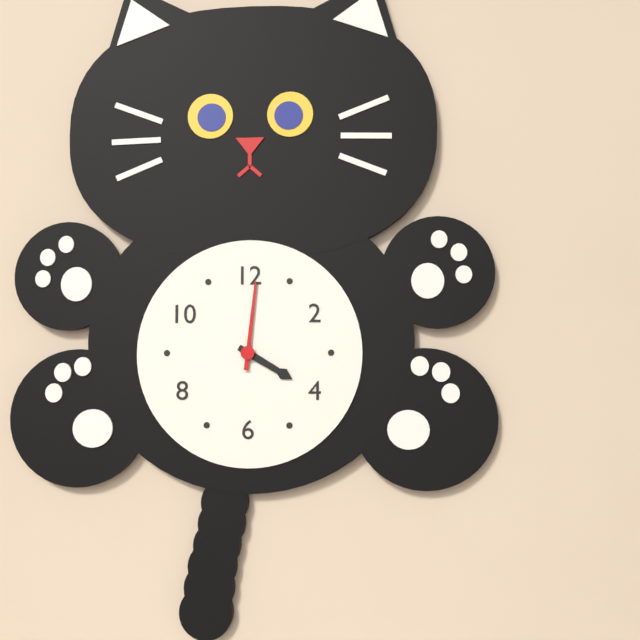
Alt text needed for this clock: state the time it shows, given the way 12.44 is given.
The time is 4.01
